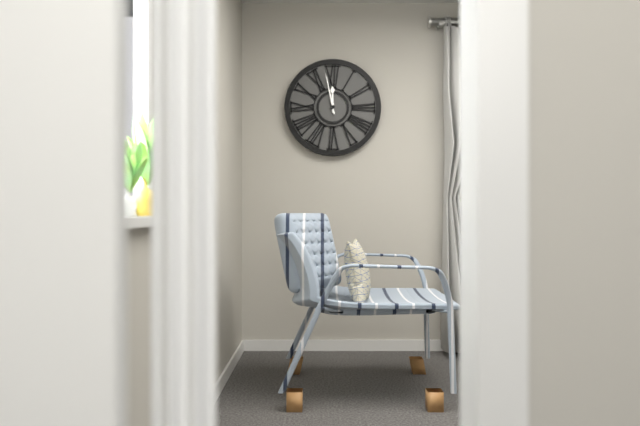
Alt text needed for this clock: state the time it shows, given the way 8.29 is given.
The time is 11.58
